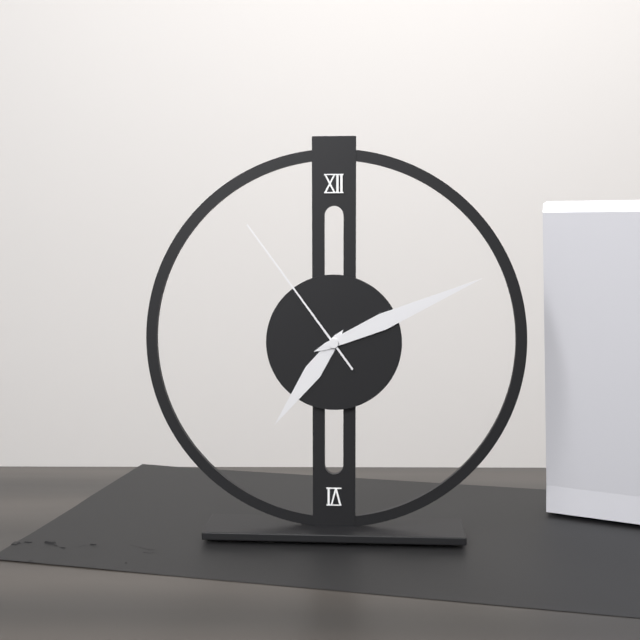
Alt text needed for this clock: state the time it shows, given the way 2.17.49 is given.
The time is 7.11.54
